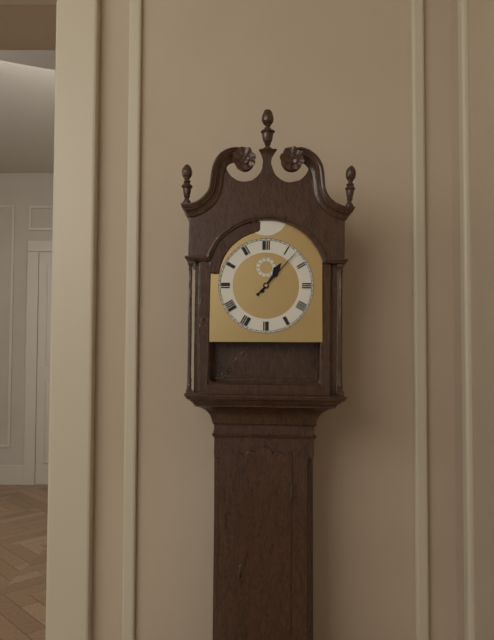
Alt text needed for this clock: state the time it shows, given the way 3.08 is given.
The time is 1.07
